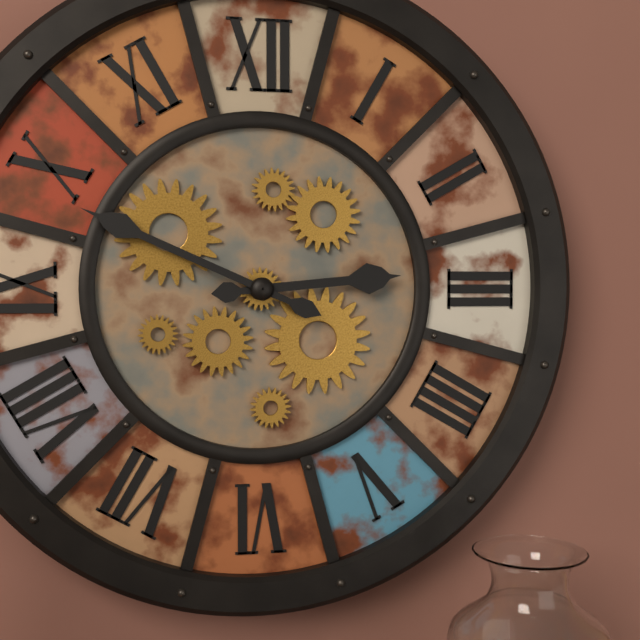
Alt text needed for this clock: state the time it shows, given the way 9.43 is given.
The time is 2.49
